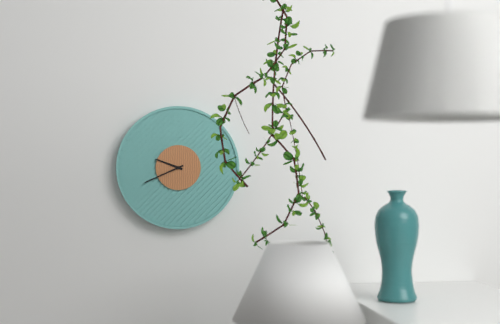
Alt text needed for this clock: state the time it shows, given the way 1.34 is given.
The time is 9.41
